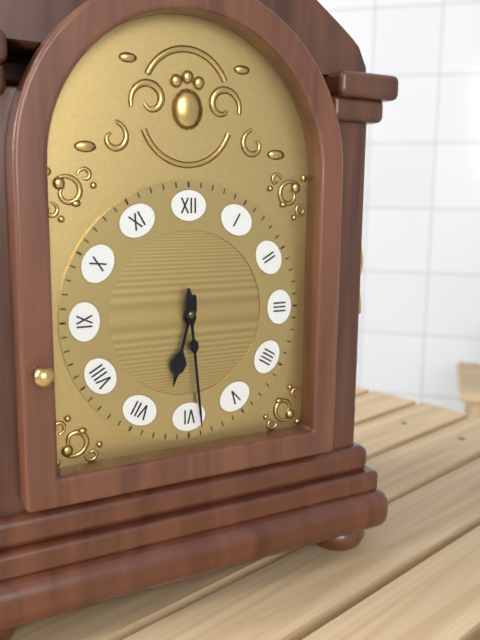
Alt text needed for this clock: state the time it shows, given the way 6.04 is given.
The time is 6.29
